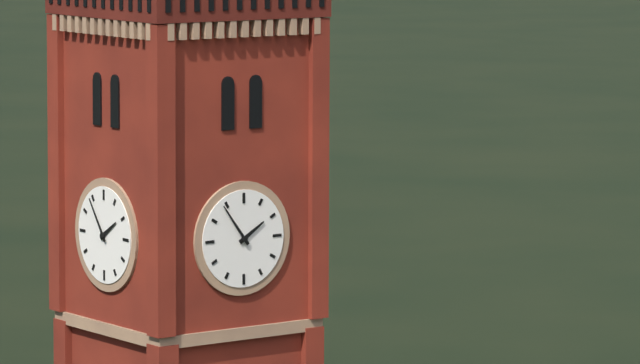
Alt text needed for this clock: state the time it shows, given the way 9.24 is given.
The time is 1.54
